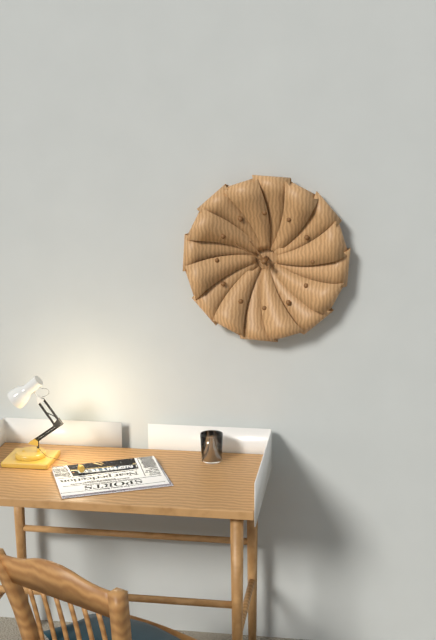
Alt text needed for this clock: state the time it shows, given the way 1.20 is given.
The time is 10.50
